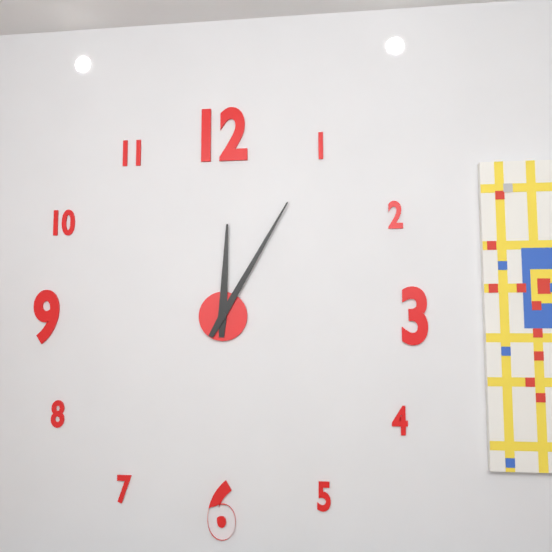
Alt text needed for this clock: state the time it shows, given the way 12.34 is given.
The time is 12.05
